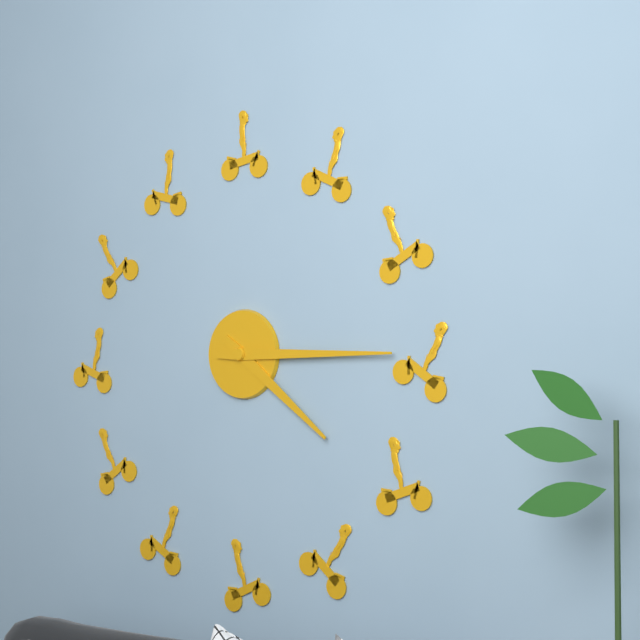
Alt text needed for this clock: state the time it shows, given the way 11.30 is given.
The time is 4.15
